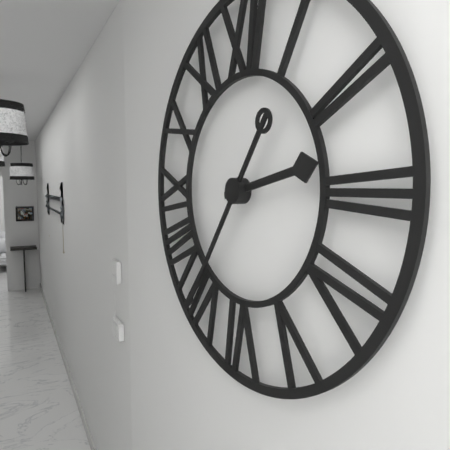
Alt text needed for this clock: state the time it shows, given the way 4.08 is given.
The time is 2.36
